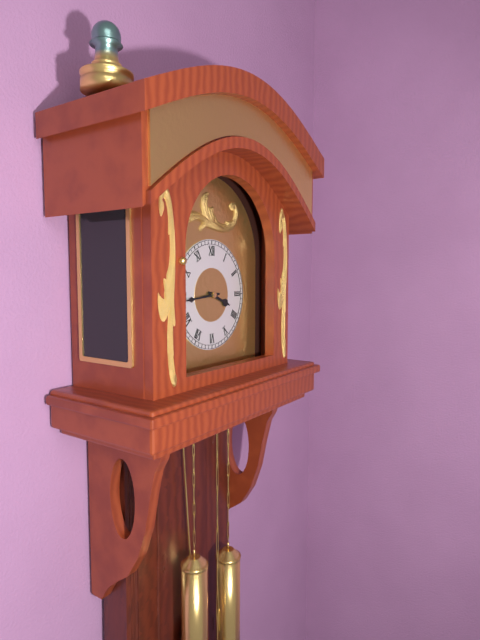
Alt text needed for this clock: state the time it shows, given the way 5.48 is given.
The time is 3.44
